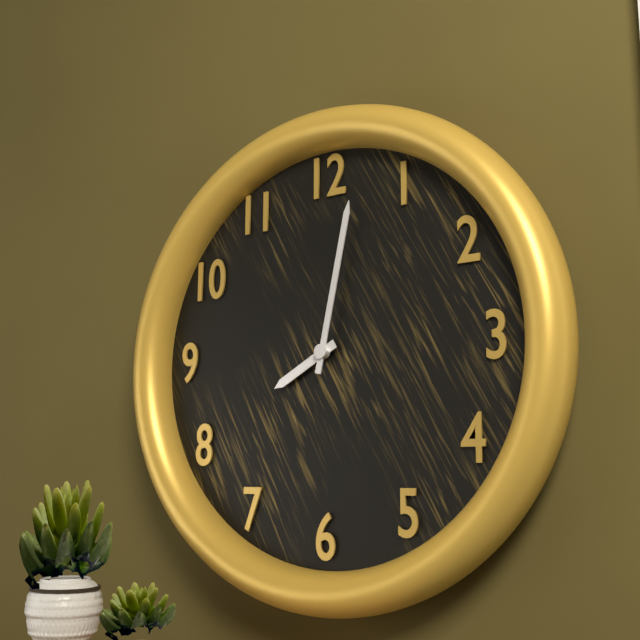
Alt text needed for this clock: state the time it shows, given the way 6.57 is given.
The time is 8.02
